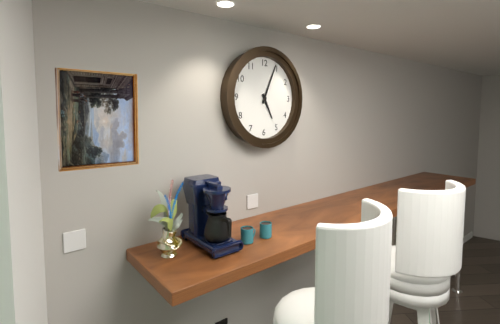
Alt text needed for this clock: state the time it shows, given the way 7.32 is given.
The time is 5.04
